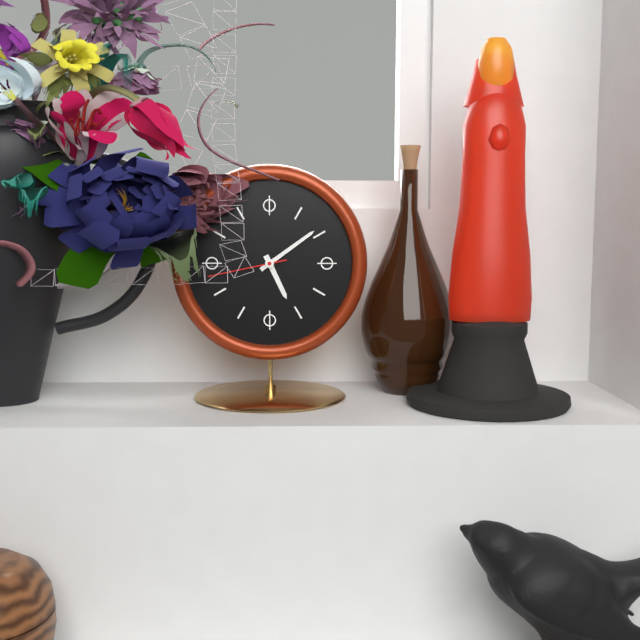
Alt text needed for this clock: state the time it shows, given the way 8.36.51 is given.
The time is 5.09.43
